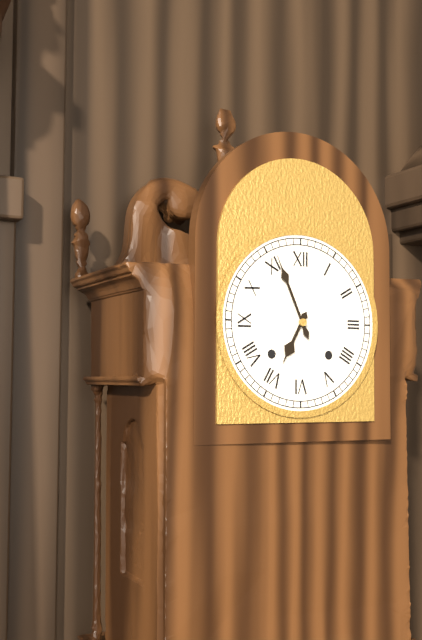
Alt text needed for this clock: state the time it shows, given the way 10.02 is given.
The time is 6.56
